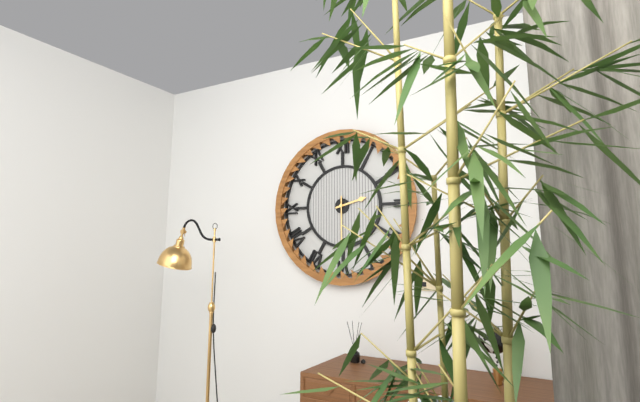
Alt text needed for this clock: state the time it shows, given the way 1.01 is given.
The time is 2.30
